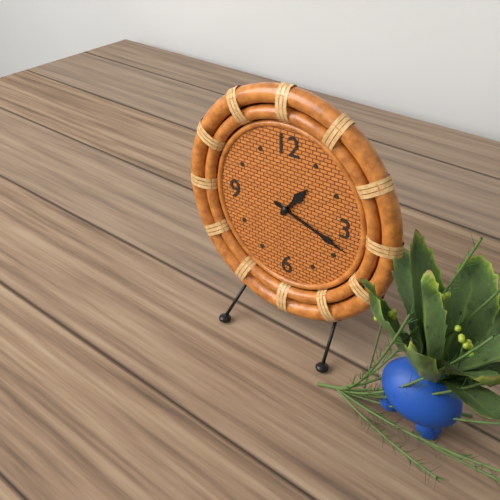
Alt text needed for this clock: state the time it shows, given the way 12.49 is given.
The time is 1.18
